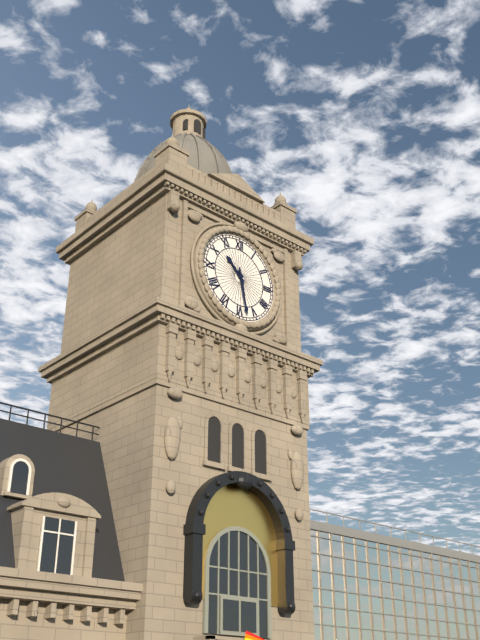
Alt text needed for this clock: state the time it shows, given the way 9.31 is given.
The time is 10.28
